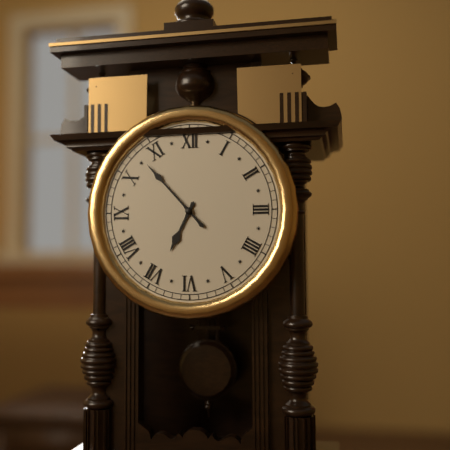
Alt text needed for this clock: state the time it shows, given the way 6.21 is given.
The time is 6.53
